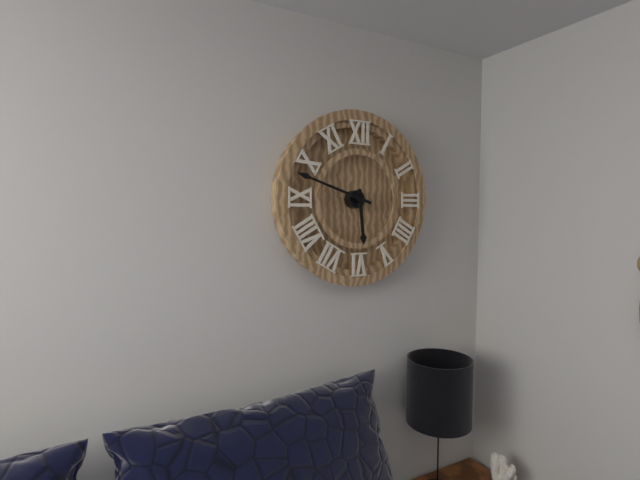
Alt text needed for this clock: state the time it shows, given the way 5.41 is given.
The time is 5.48
